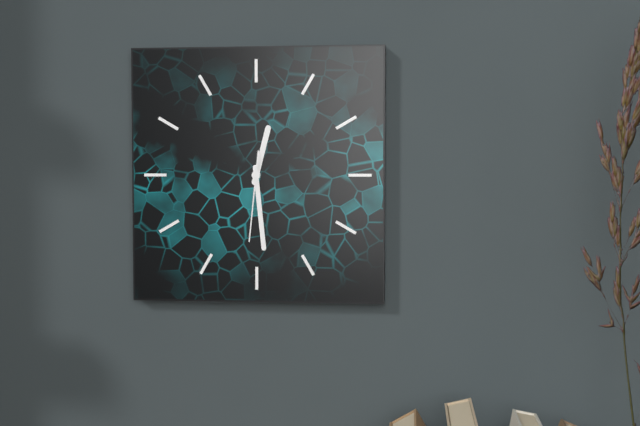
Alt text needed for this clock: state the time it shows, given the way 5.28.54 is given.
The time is 12.29.31
